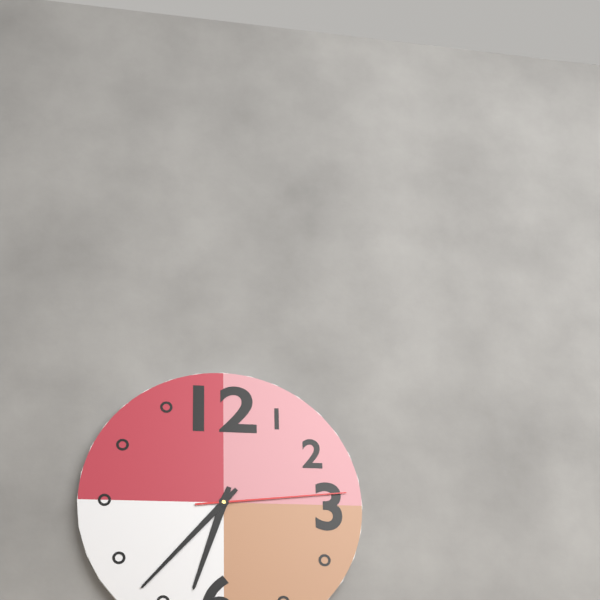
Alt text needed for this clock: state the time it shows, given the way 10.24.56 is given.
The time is 6.37.14
